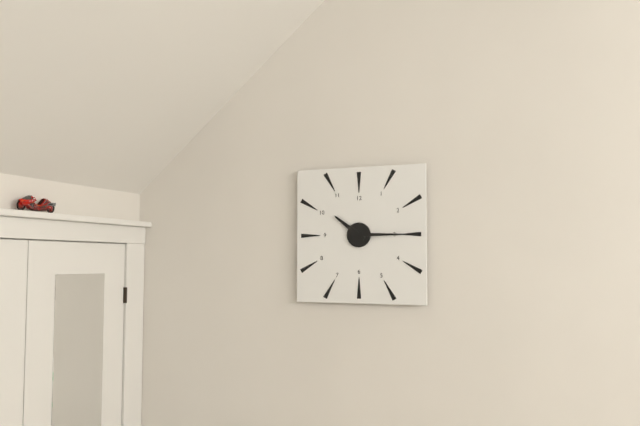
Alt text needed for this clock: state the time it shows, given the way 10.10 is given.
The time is 10.15
